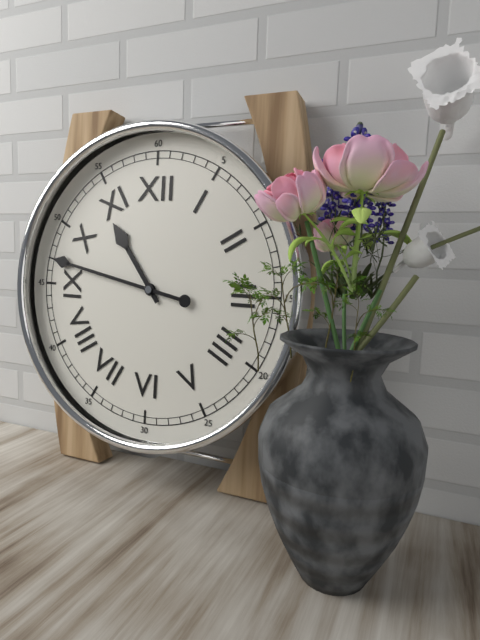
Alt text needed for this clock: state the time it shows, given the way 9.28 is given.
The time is 10.47
